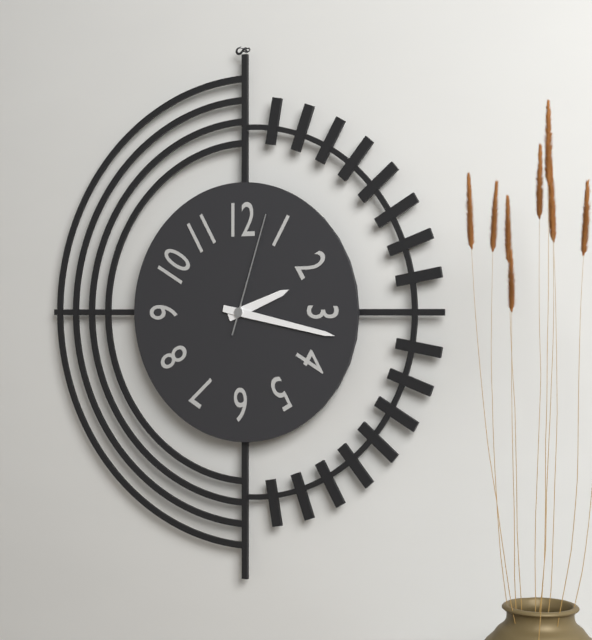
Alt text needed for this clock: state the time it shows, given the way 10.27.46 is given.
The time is 2.17.03
